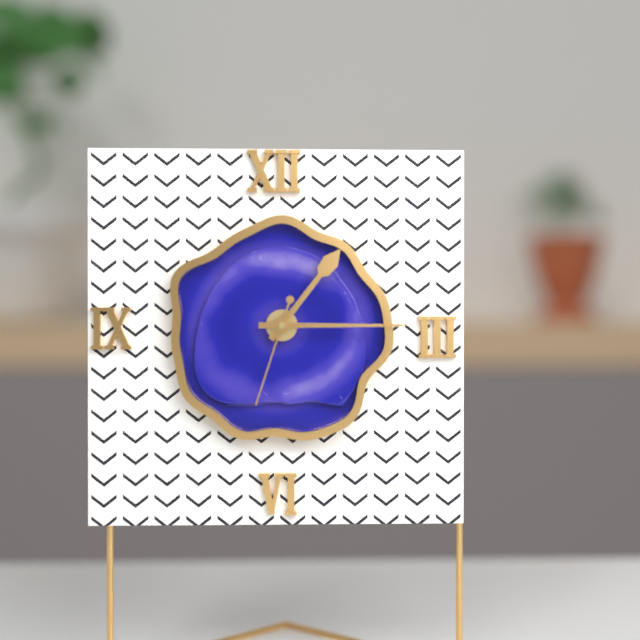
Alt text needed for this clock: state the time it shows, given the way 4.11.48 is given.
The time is 1.15.33
